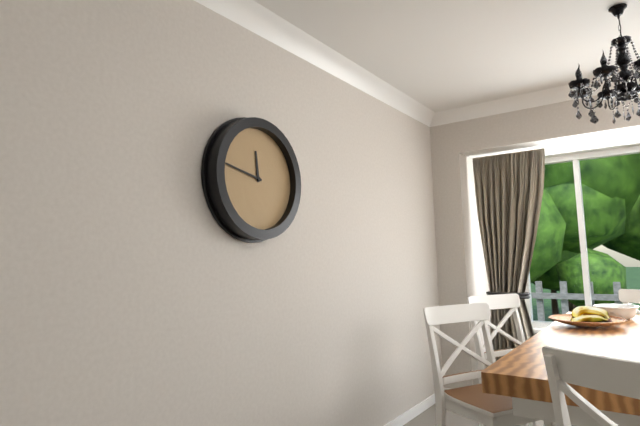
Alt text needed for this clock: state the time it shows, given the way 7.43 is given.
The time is 11.47
